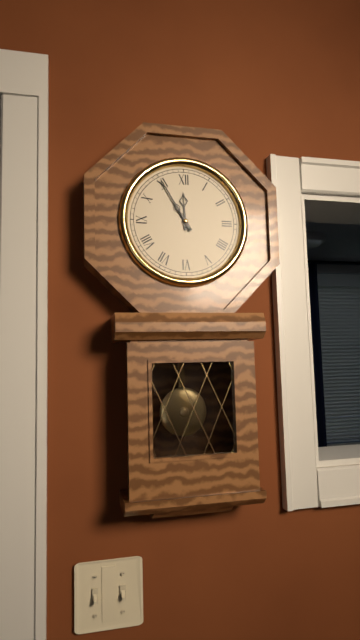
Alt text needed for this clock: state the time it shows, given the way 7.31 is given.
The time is 11.55
